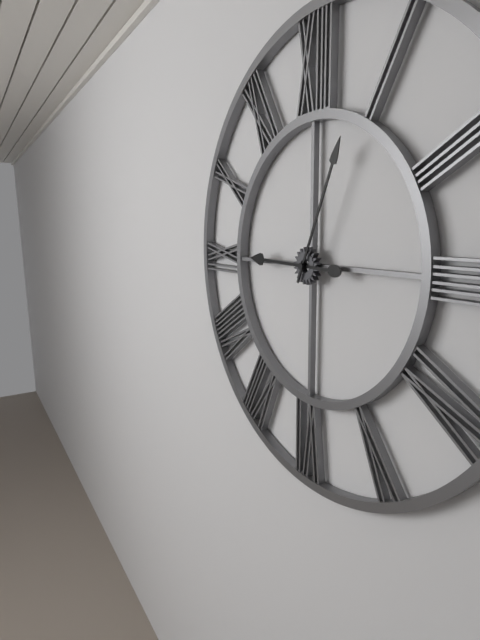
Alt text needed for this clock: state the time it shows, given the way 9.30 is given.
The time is 9.04
